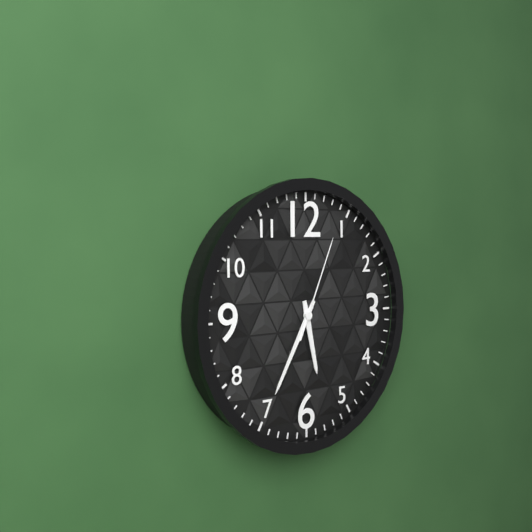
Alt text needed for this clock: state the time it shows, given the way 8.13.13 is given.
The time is 5.35.04
